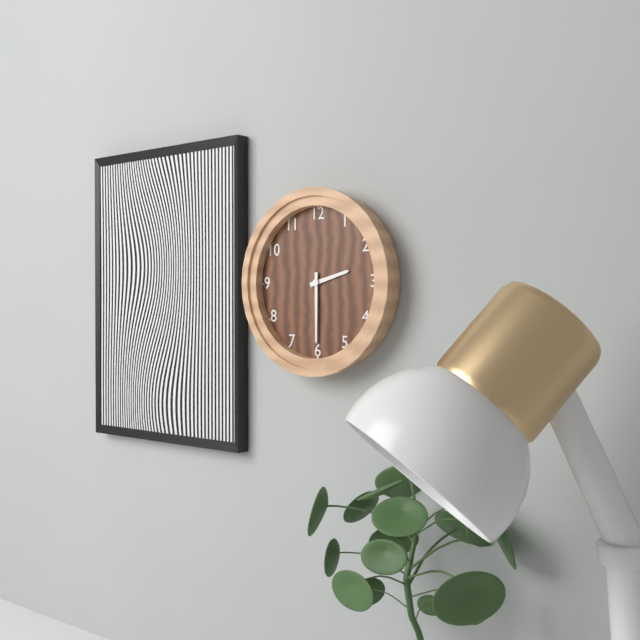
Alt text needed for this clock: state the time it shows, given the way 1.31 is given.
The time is 2.30
